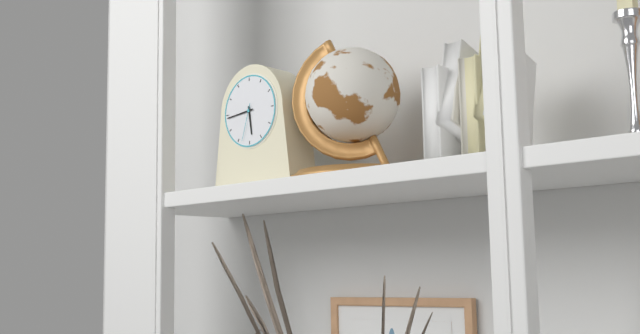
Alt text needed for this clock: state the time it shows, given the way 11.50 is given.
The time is 5.44
